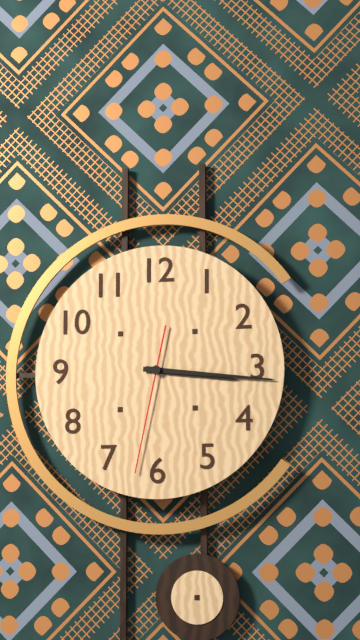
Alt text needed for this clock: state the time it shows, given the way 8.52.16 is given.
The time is 3.16.32
